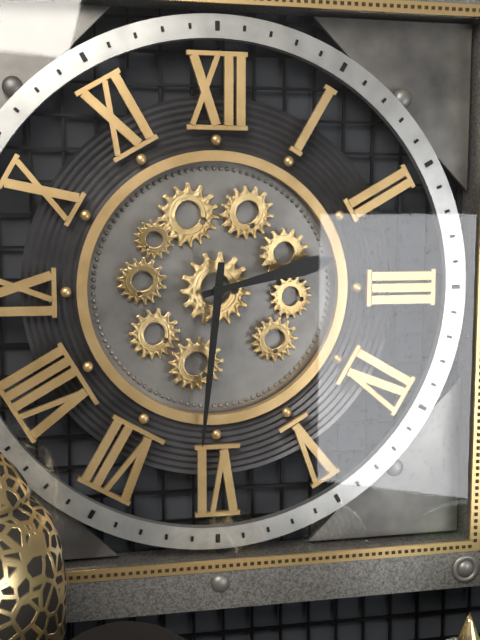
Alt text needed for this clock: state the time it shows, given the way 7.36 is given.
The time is 2.31
